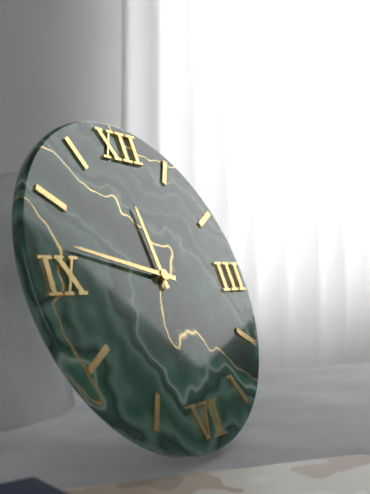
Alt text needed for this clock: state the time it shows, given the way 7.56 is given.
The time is 11.47
